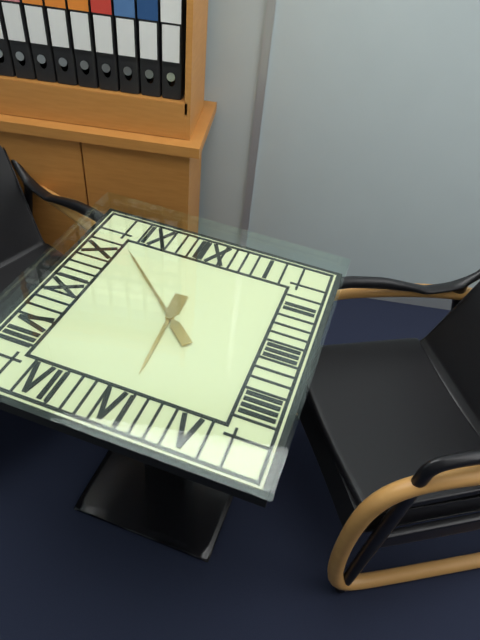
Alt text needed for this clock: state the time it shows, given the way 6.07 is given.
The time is 5.52
